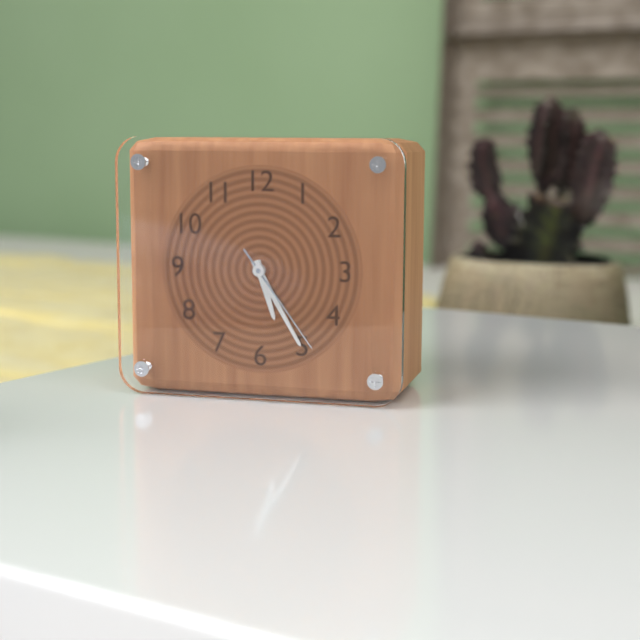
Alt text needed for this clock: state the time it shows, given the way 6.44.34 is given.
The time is 5.25.24
